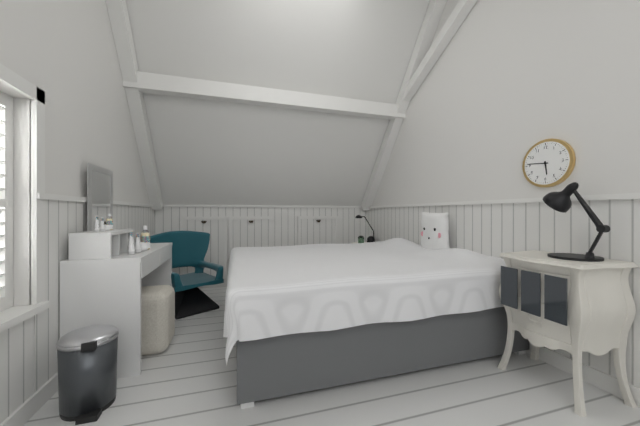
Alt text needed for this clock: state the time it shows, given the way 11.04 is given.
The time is 5.46
